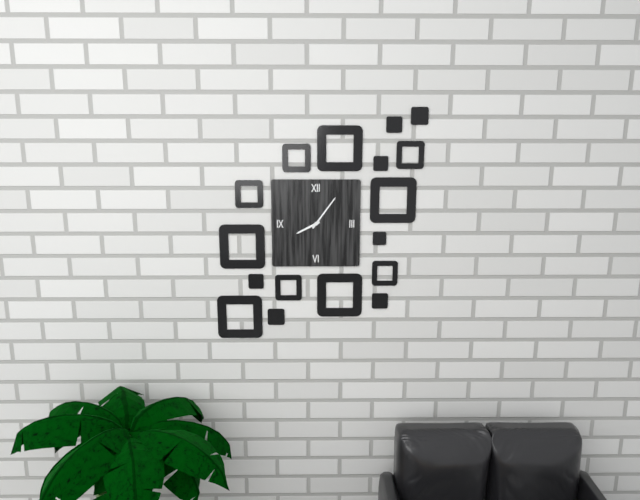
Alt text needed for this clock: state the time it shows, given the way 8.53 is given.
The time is 8.06
